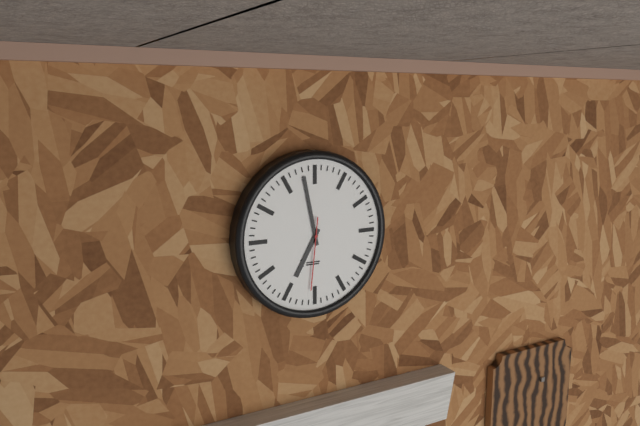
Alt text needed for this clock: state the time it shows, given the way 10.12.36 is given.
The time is 6.58.31
